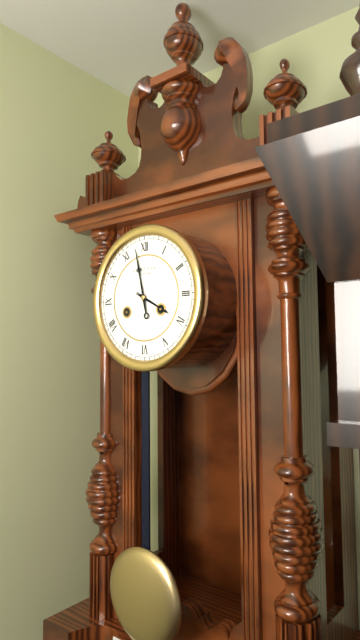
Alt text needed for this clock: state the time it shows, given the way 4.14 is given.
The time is 3.58
